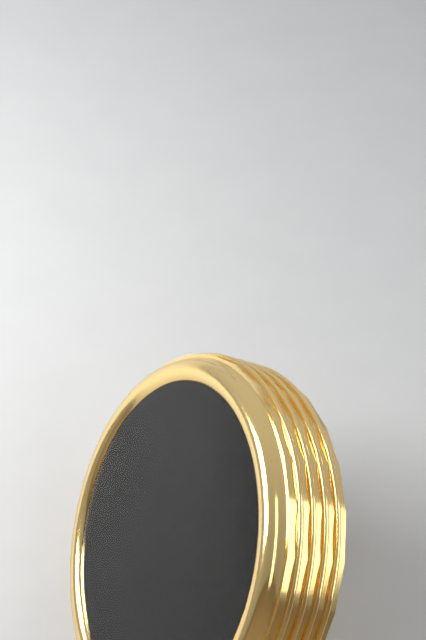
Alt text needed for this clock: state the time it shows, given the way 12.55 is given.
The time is 4.06
